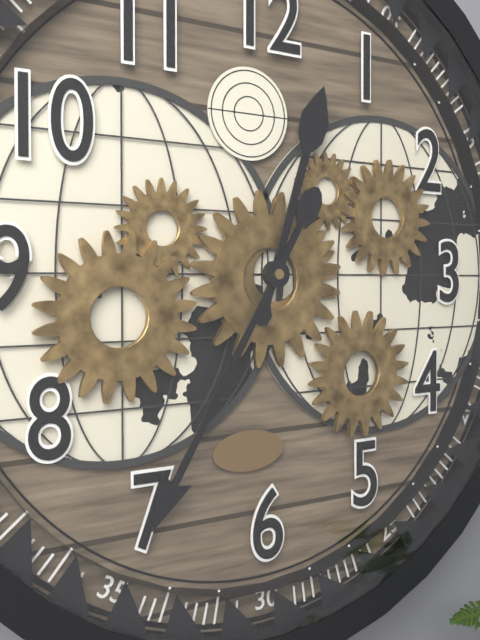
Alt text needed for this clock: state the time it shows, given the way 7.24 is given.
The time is 12.35
